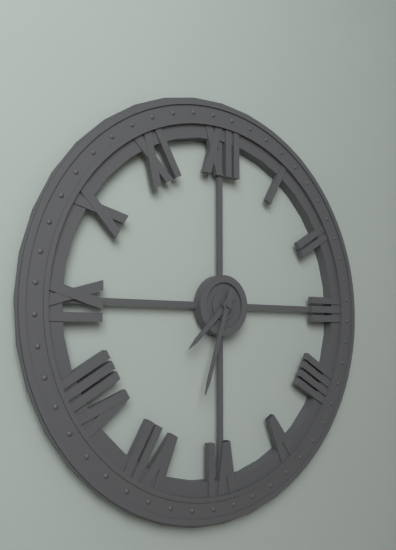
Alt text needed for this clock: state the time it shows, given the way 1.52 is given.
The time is 7.33
